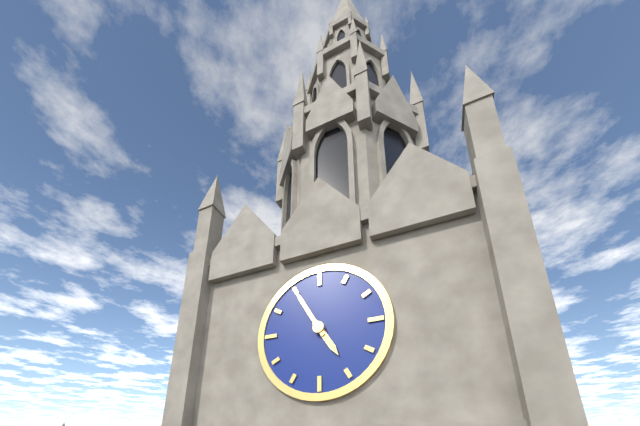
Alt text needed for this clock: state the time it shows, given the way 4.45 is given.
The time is 4.55
